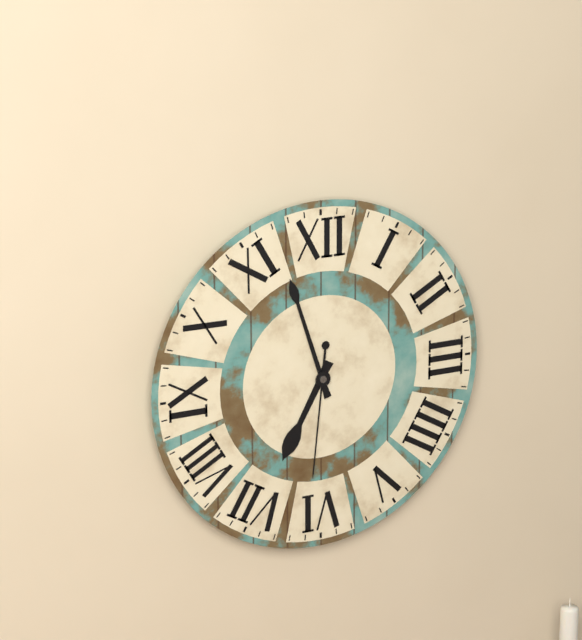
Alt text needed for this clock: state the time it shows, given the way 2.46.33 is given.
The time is 6.57.31
